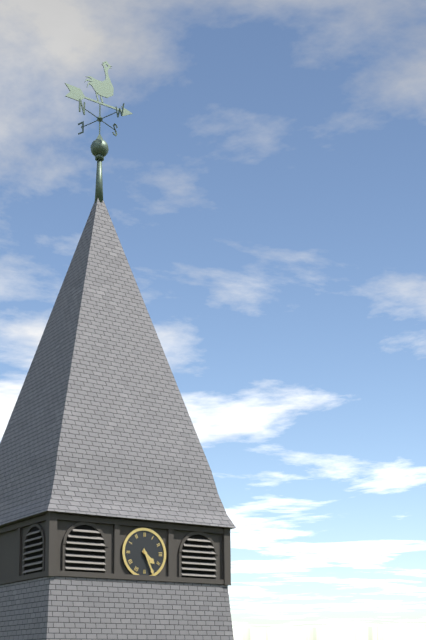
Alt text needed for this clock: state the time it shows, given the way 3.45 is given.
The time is 4.26
